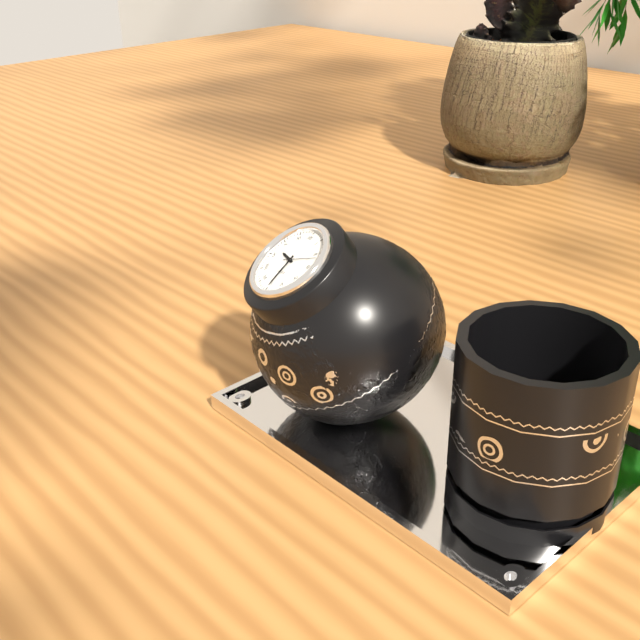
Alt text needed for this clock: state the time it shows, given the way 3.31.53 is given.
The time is 9.30.12
